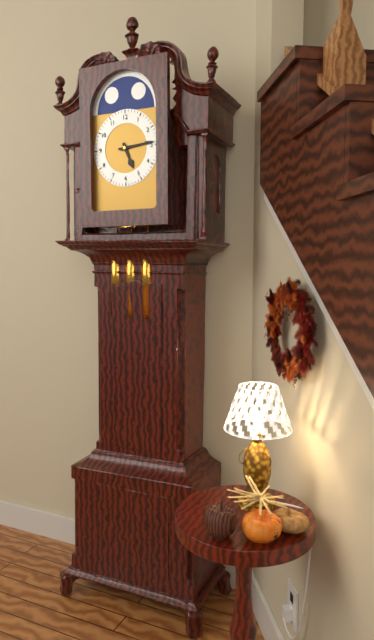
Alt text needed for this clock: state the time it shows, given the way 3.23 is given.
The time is 5.14
